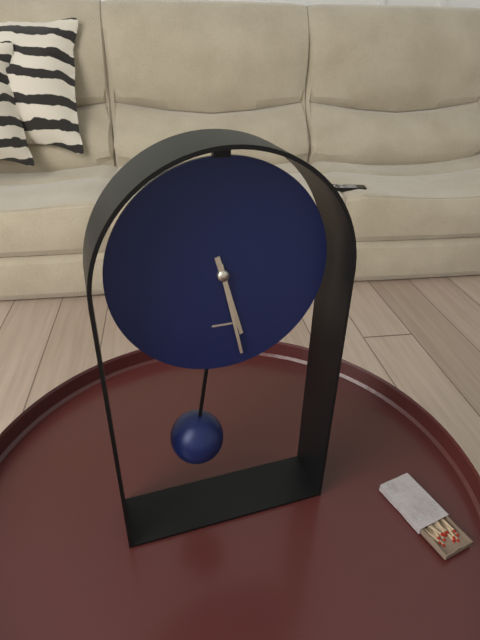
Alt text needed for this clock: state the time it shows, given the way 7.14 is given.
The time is 5.28
